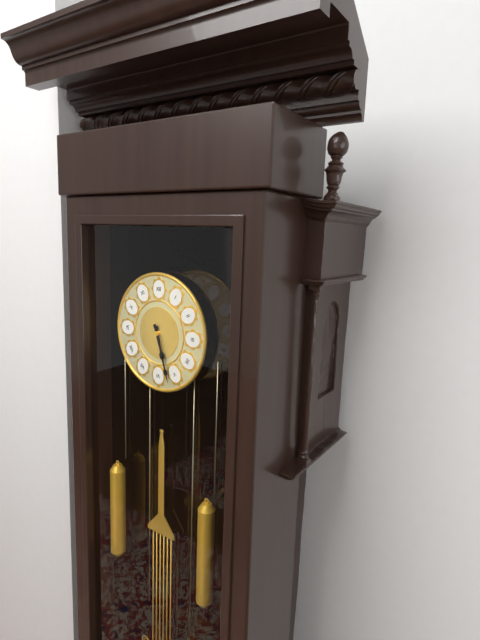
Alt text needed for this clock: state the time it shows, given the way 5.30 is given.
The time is 5.27
